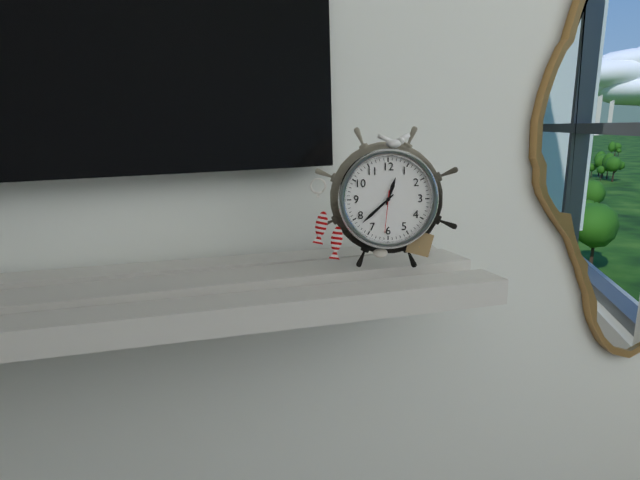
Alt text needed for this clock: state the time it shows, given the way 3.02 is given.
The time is 12.38
